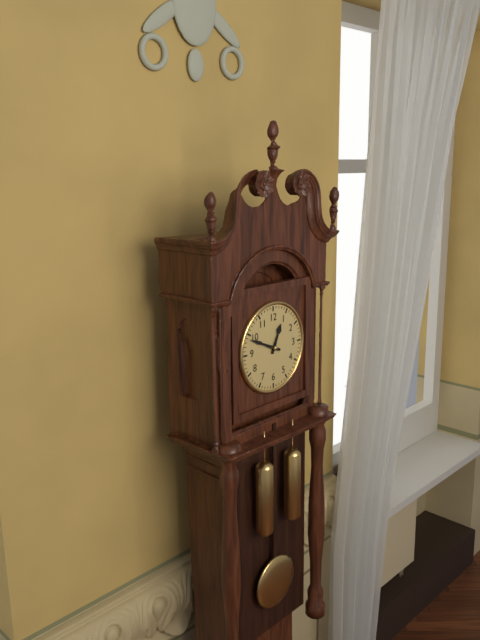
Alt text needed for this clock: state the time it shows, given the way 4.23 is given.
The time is 12.49
